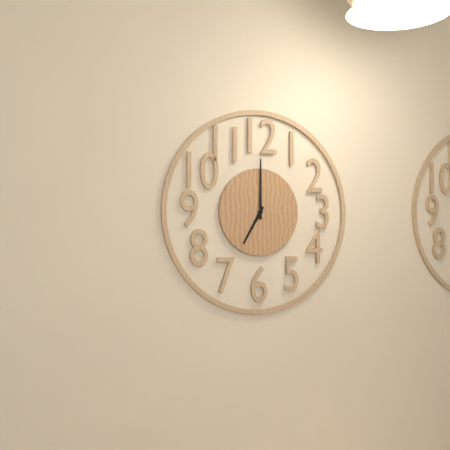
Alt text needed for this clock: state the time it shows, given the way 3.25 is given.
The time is 7.00
